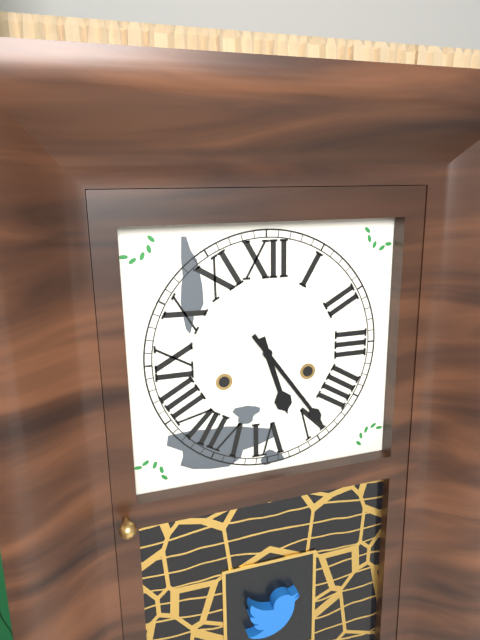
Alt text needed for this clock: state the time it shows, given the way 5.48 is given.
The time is 5.24
